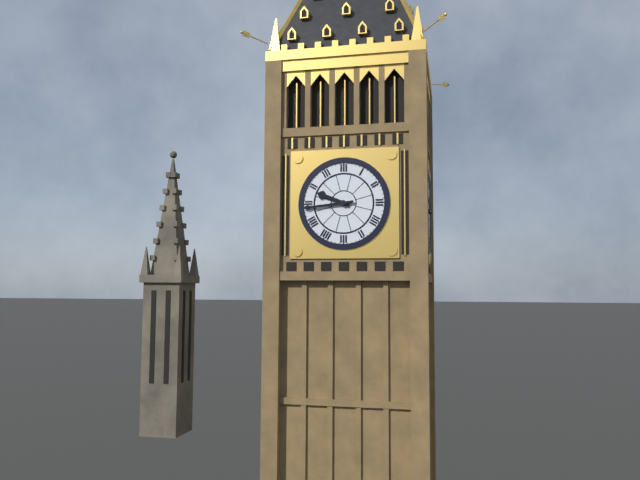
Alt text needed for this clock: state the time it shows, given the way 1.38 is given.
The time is 9.44
